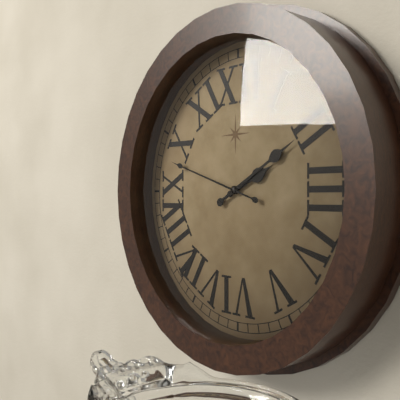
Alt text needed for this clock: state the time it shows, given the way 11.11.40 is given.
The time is 2.10.48
